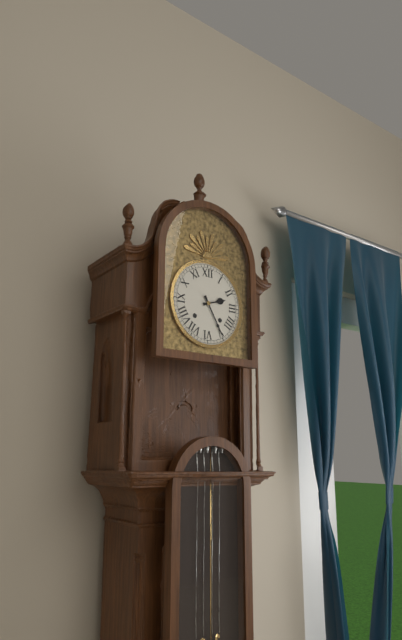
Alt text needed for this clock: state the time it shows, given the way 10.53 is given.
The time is 2.25
